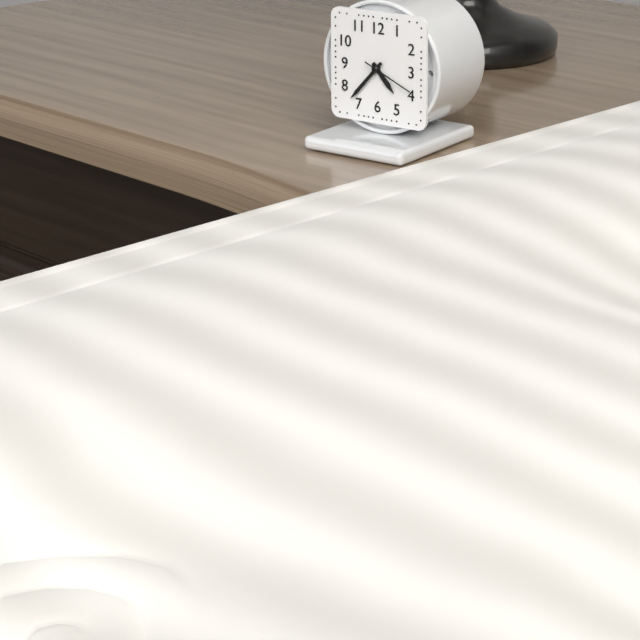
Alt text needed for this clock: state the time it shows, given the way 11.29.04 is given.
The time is 4.37.19
